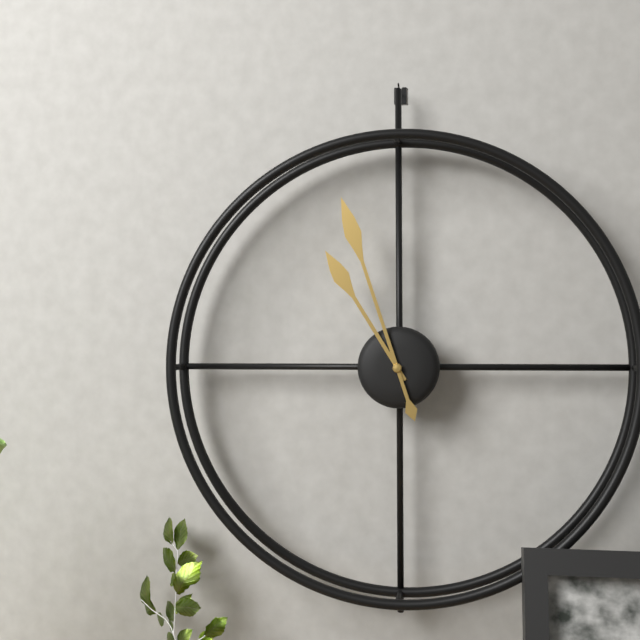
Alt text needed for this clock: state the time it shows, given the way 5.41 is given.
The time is 10.57
